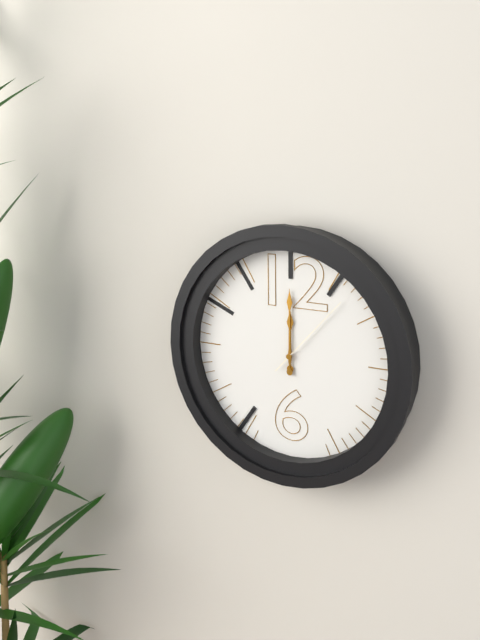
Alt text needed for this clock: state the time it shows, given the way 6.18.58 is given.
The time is 12.00.07
